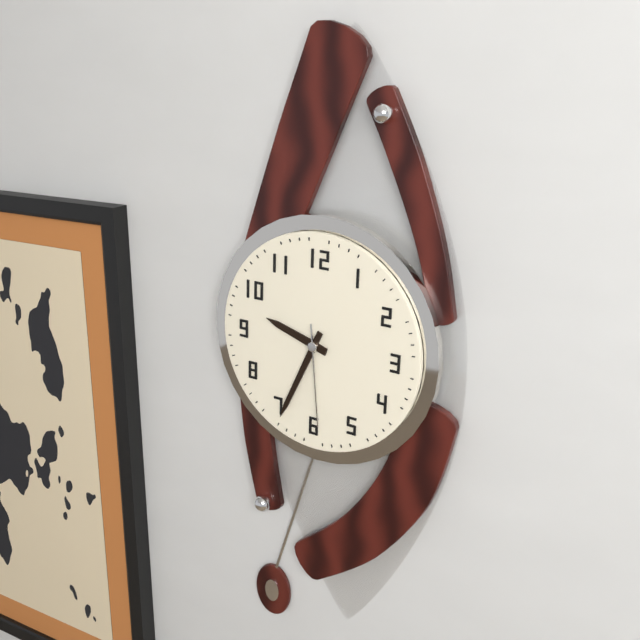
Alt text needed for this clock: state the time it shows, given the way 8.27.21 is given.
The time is 9.34.29
